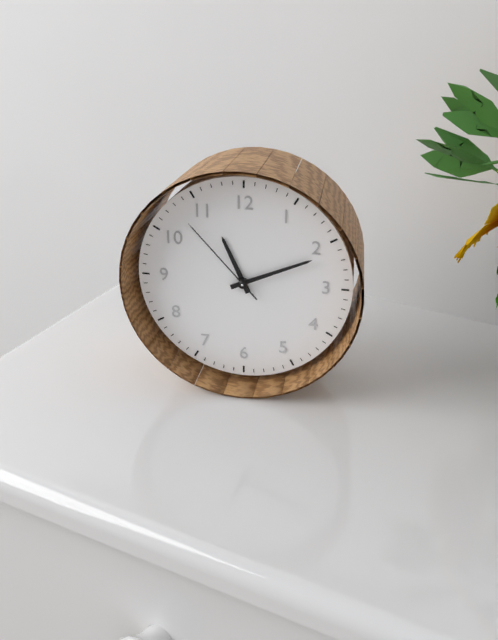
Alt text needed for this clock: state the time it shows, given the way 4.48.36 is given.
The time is 11.11.53
